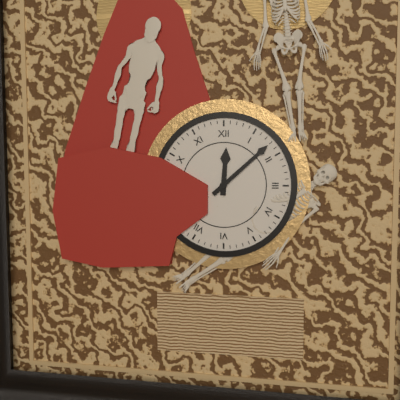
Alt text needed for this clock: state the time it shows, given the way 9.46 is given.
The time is 12.08
